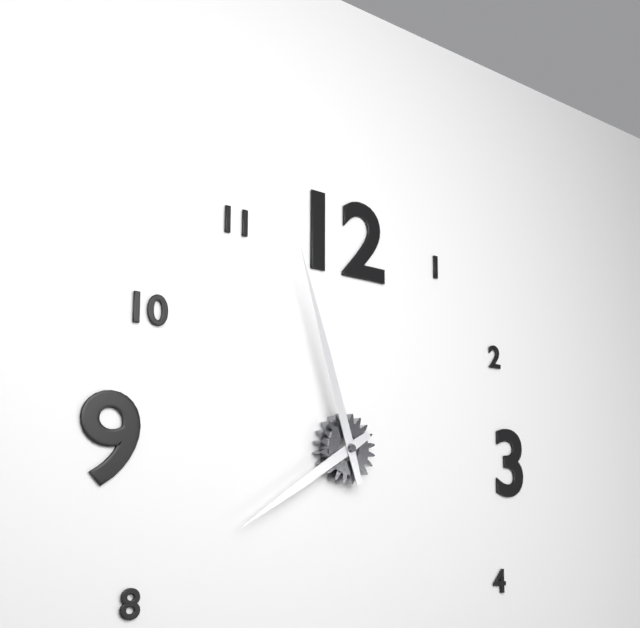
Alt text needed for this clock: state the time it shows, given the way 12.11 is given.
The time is 7.57
